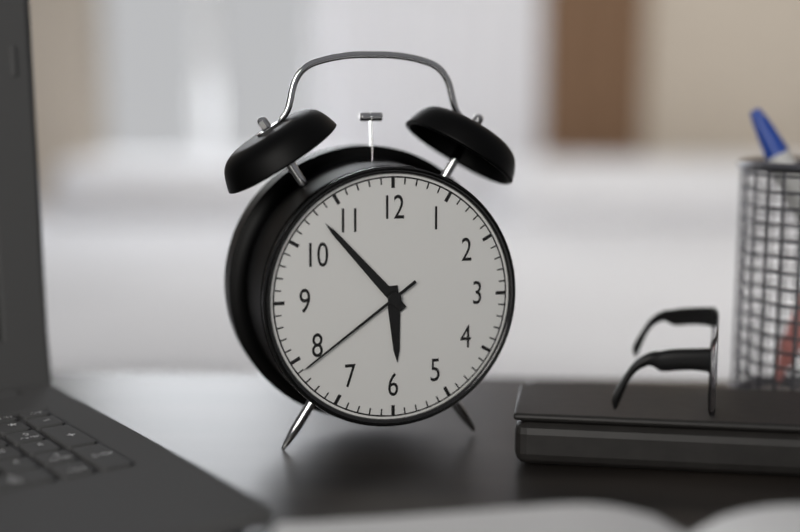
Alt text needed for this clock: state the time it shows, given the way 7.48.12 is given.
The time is 5.53.39
